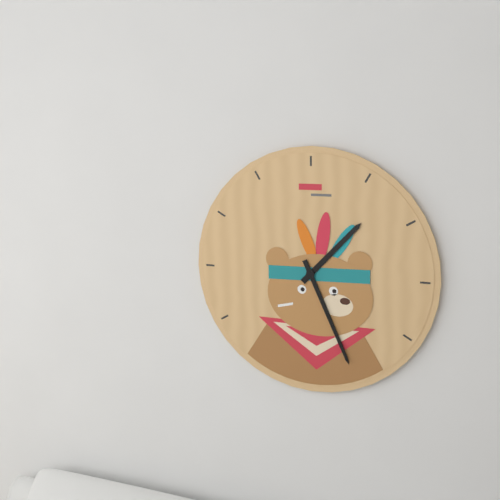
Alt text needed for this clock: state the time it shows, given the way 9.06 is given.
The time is 1.26
